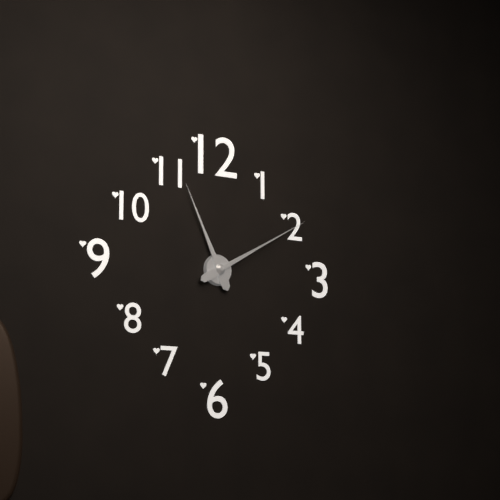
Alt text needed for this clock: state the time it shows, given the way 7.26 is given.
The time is 11.10
